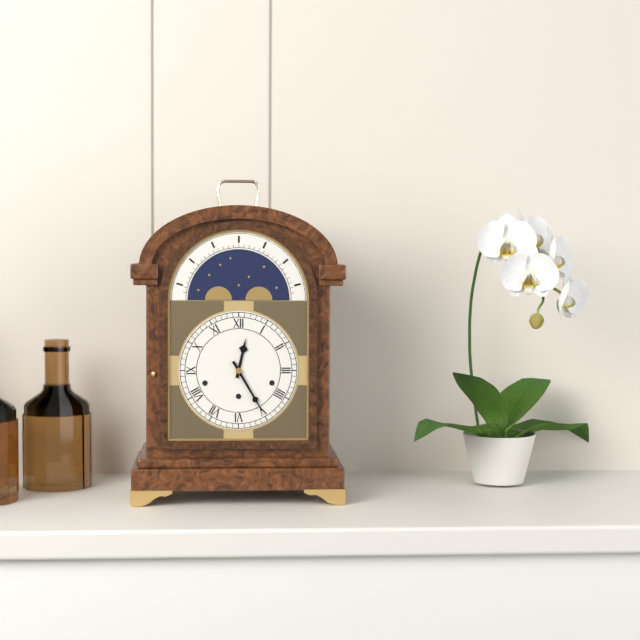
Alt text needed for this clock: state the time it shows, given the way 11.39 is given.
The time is 12.25
